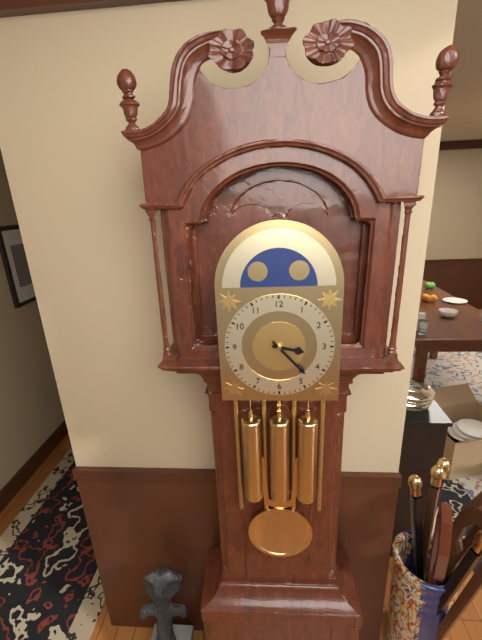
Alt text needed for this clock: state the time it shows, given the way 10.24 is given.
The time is 3.23
